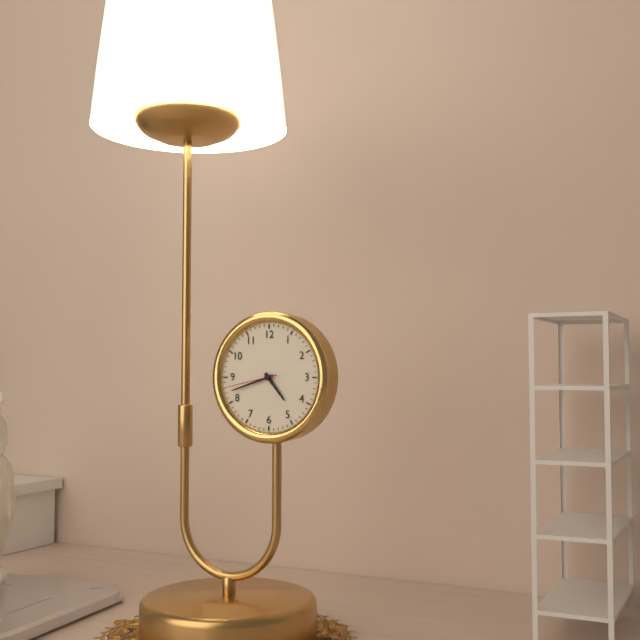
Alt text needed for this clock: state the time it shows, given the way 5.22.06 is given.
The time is 4.42.43
